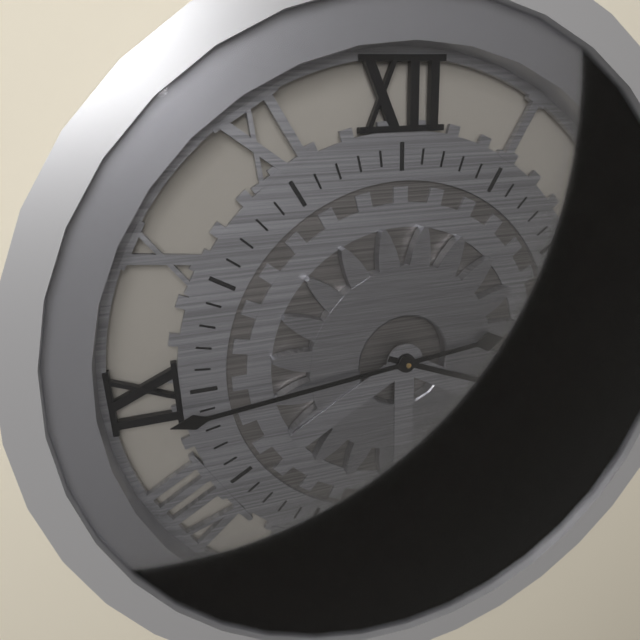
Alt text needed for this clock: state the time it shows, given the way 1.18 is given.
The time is 3.44
